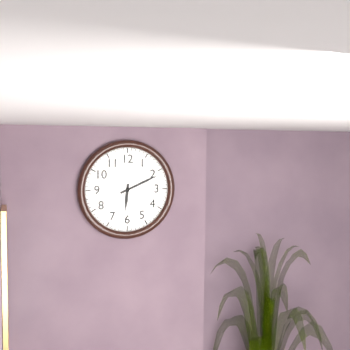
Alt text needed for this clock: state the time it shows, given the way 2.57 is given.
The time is 6.11
